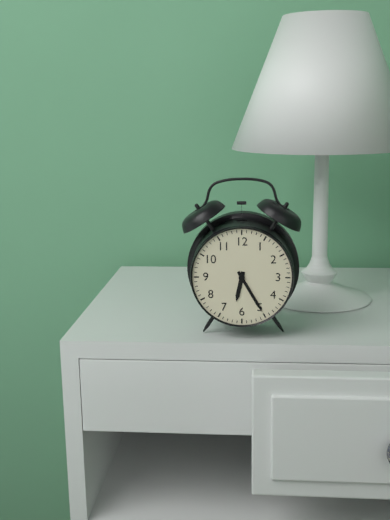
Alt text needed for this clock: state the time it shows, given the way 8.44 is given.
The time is 6.25
